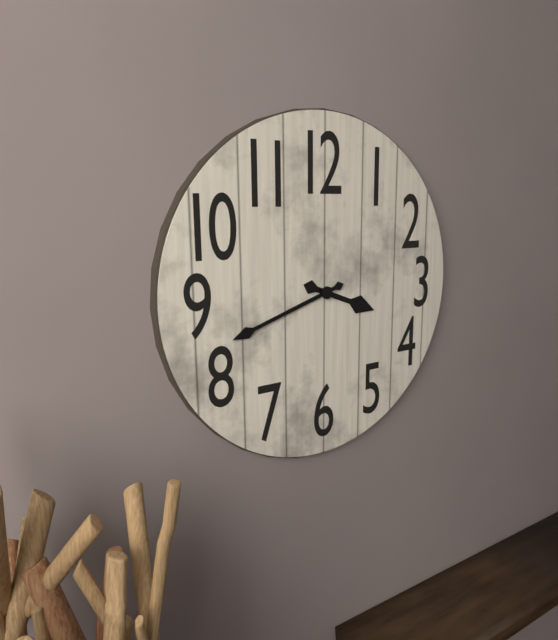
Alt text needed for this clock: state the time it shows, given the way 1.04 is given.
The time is 3.42
